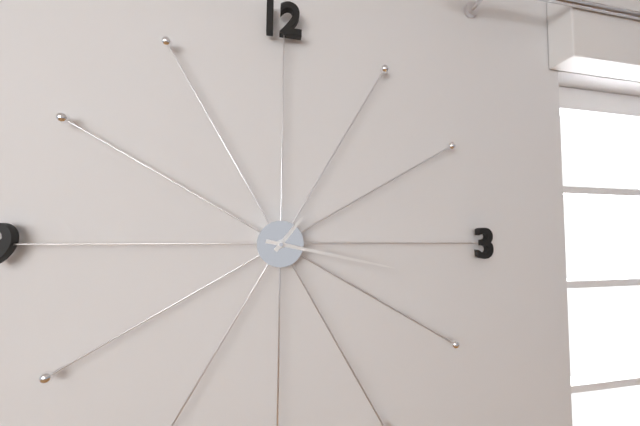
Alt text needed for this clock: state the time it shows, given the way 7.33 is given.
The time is 1.17
